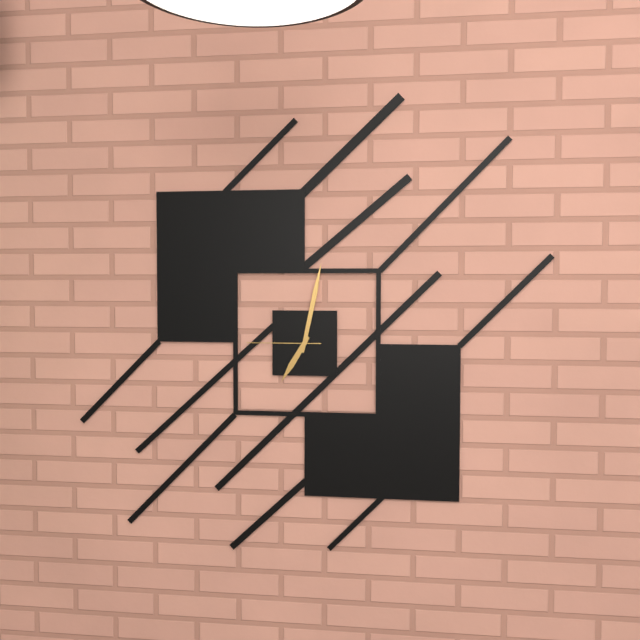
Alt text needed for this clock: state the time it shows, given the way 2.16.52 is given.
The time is 7.02.45
